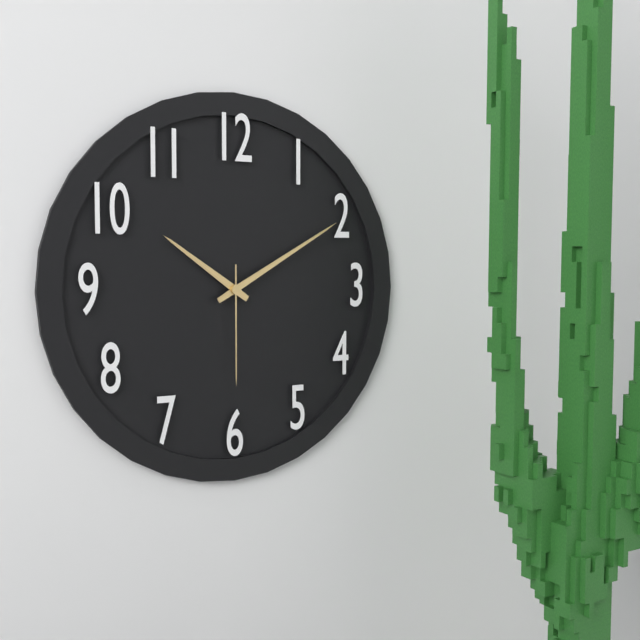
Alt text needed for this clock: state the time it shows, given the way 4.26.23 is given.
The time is 10.10.30
